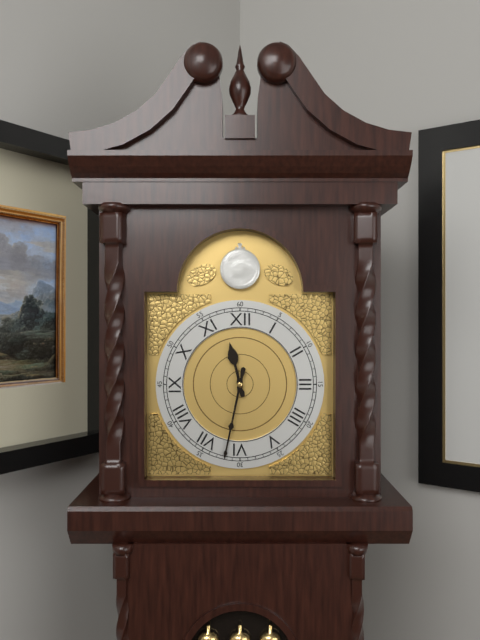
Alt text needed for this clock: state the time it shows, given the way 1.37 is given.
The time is 11.32
